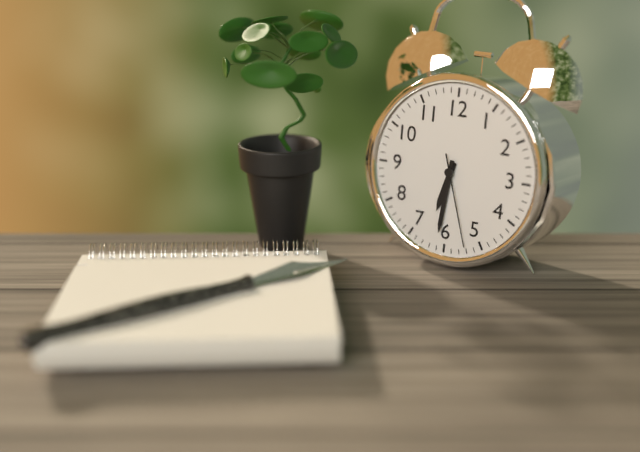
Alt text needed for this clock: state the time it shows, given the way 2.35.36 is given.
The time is 6.31.27
